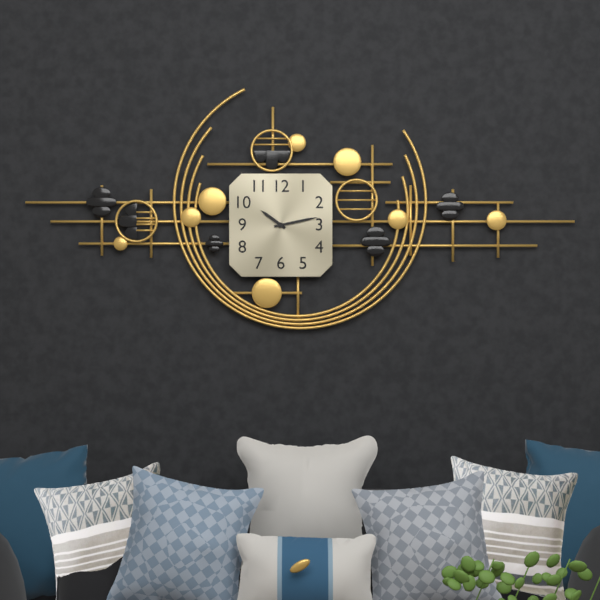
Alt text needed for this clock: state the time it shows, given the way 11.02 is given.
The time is 10.13
